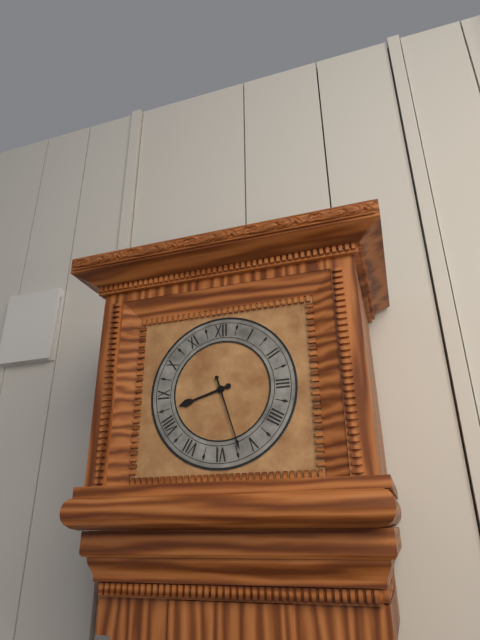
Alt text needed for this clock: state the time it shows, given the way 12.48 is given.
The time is 8.27
